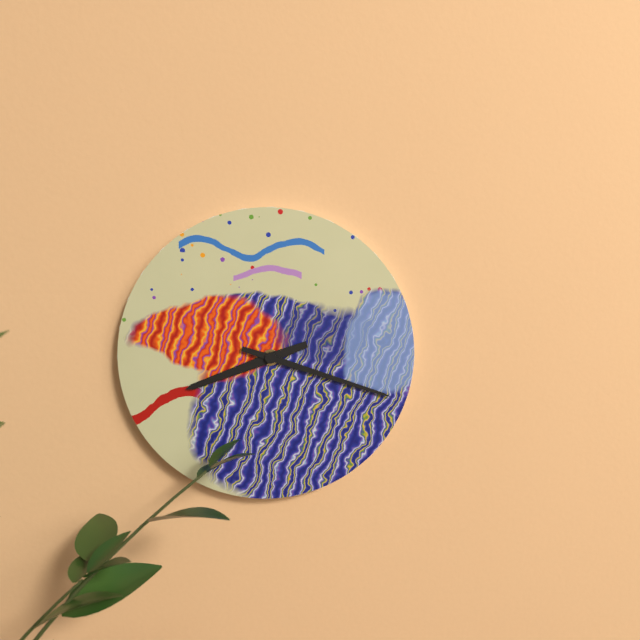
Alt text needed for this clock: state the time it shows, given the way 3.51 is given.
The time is 8.18
